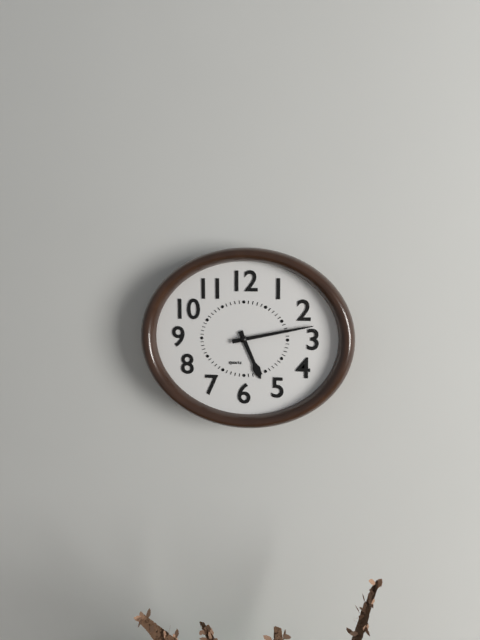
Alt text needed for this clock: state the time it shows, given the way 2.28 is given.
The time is 5.13
